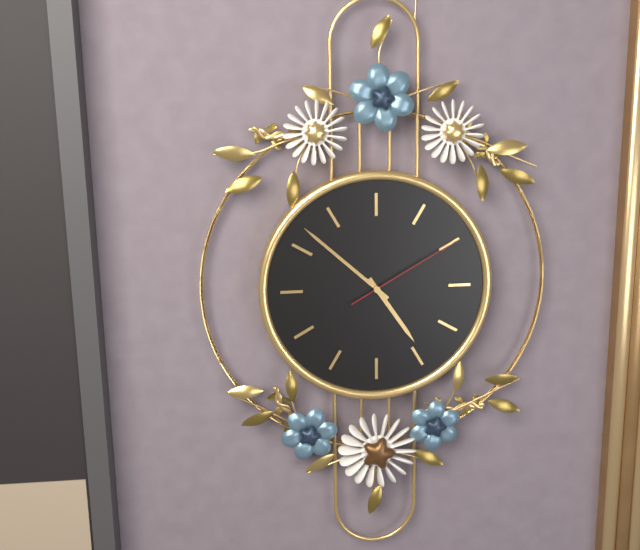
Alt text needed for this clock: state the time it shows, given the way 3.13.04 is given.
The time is 4.52.10
